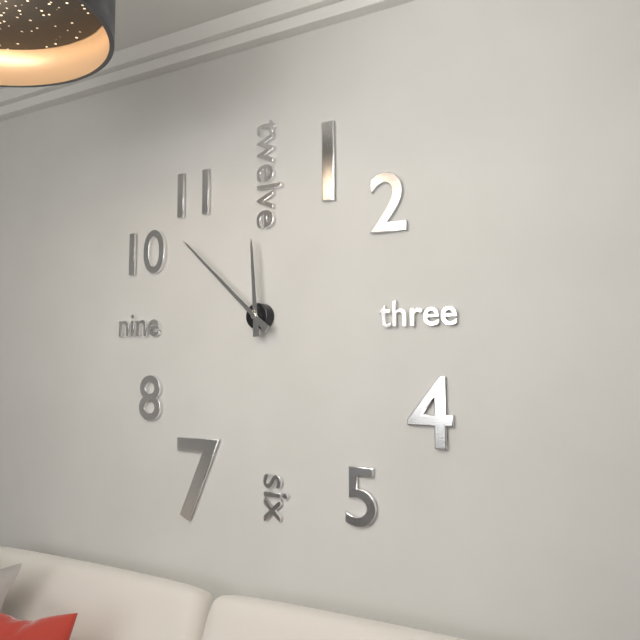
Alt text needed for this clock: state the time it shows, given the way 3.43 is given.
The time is 11.52
